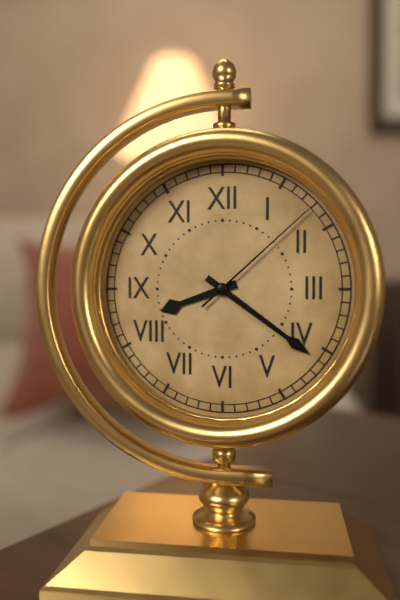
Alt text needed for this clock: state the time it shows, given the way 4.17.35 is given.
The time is 8.21.08
